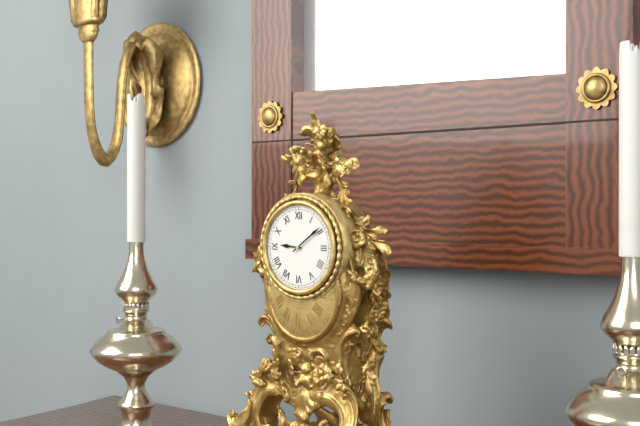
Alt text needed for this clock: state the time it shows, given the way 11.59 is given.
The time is 9.09
